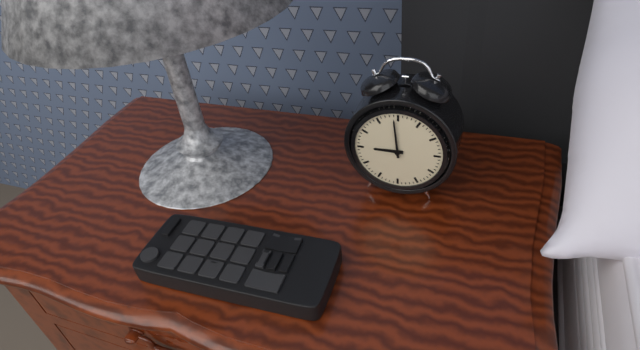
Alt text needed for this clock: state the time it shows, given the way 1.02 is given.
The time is 8.59
